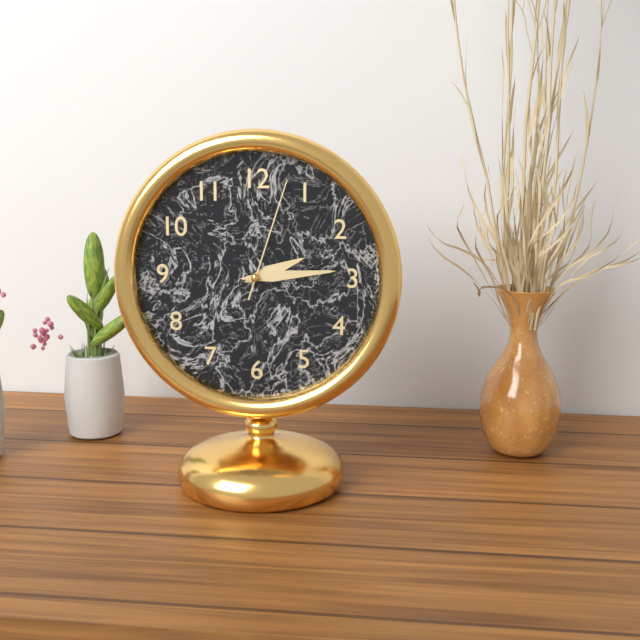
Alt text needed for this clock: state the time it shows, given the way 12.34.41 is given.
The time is 2.14.03
